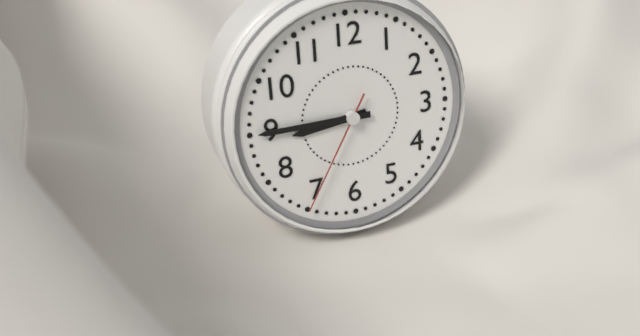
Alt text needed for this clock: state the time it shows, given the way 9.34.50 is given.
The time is 8.45.35
